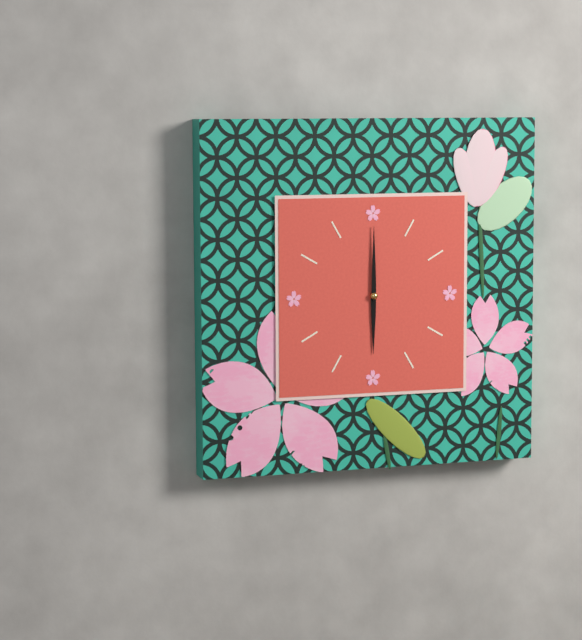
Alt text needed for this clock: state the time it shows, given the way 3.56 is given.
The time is 6.00
